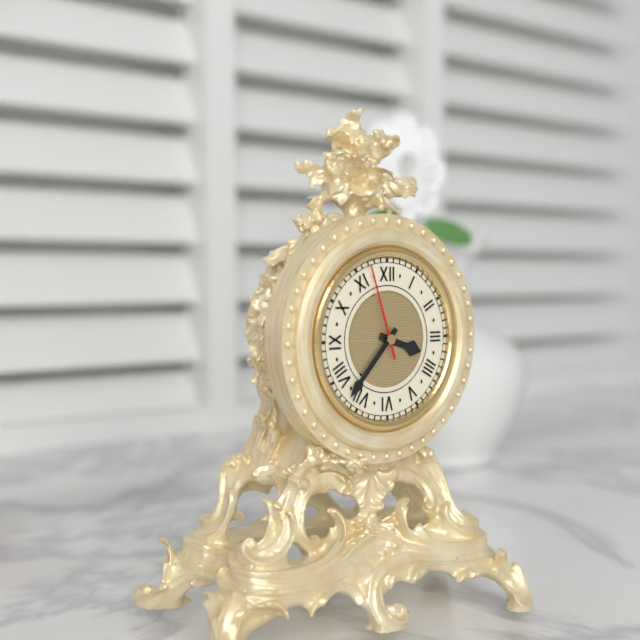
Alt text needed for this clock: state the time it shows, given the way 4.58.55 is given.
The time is 3.37.57
